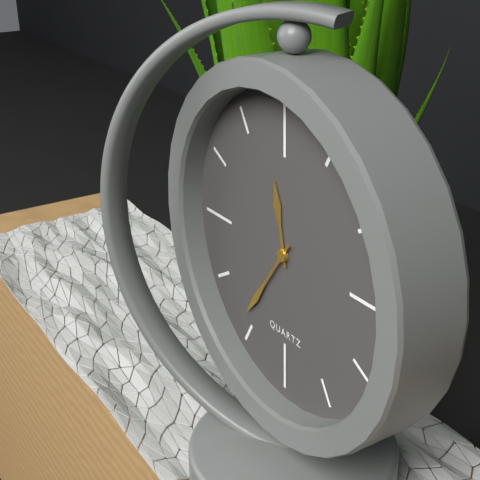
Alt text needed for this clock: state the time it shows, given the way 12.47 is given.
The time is 11.36
